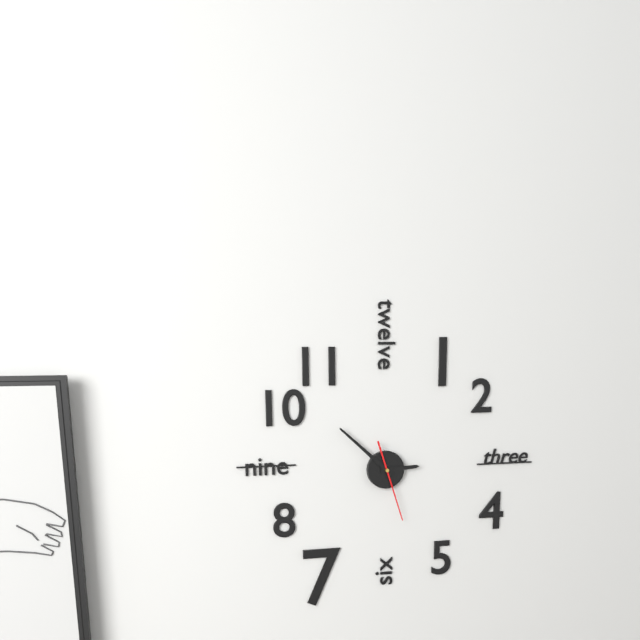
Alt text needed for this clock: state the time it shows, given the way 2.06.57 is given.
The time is 2.52.27
